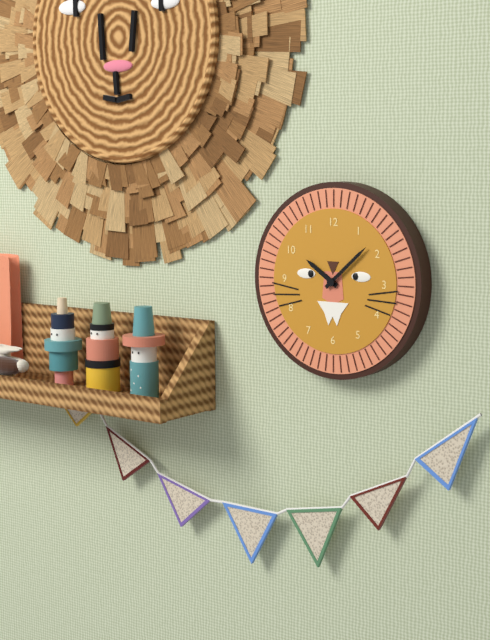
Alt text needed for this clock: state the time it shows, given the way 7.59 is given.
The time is 10.08
